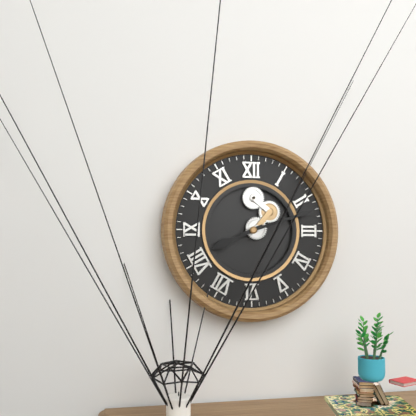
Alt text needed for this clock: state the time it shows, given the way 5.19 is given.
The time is 8.12
